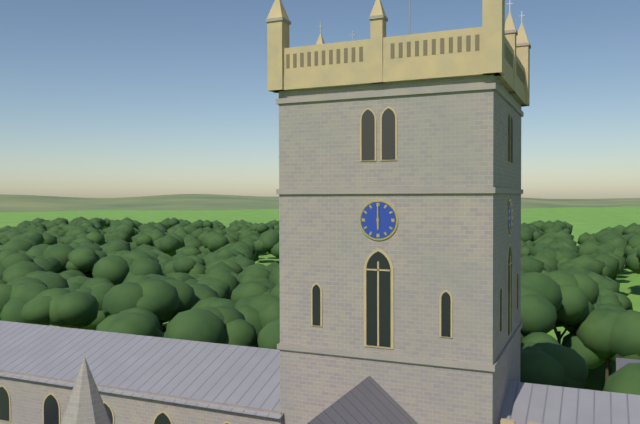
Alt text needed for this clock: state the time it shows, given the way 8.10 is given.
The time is 6.00
